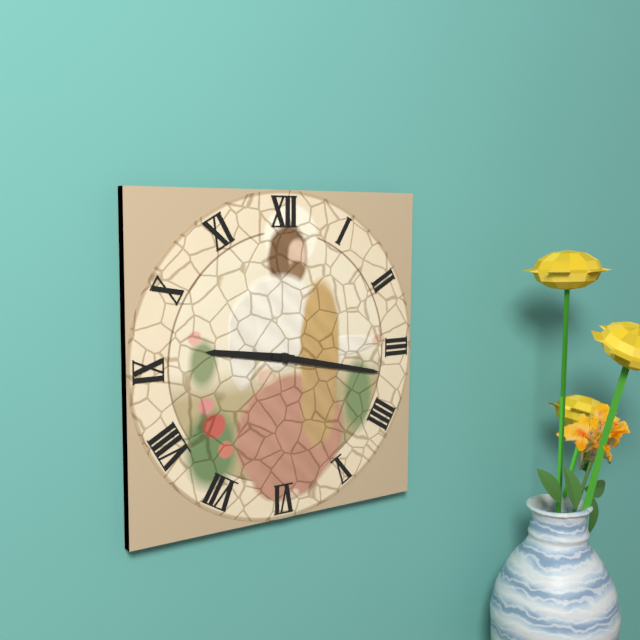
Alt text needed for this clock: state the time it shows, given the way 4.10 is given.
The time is 9.17
